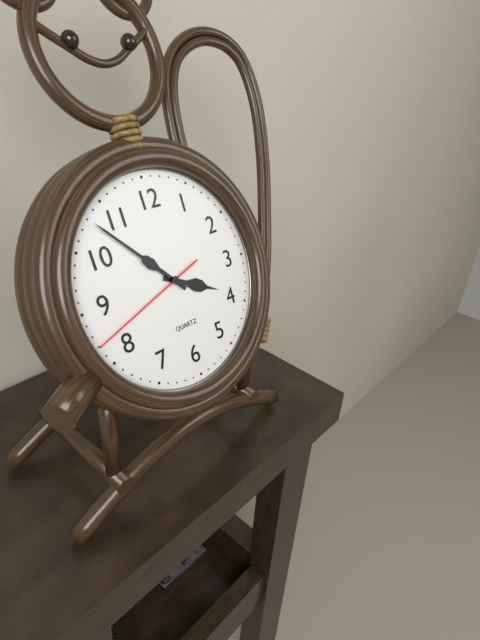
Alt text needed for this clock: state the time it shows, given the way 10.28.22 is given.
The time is 3.53.42
